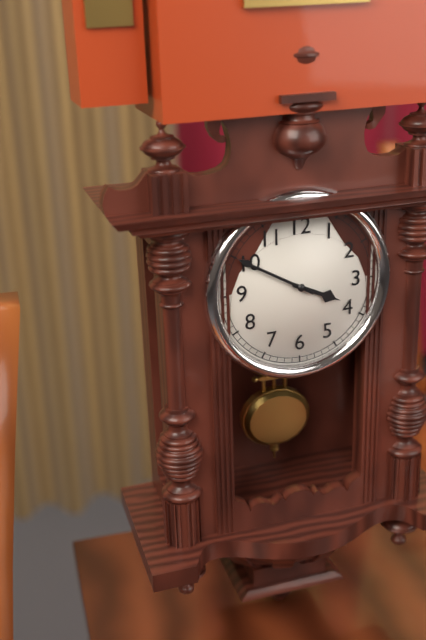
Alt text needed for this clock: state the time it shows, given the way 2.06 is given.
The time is 3.50
